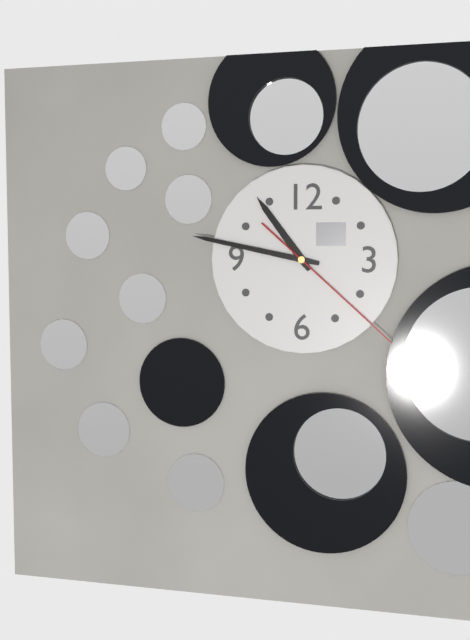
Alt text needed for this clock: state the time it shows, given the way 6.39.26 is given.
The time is 10.47.22
